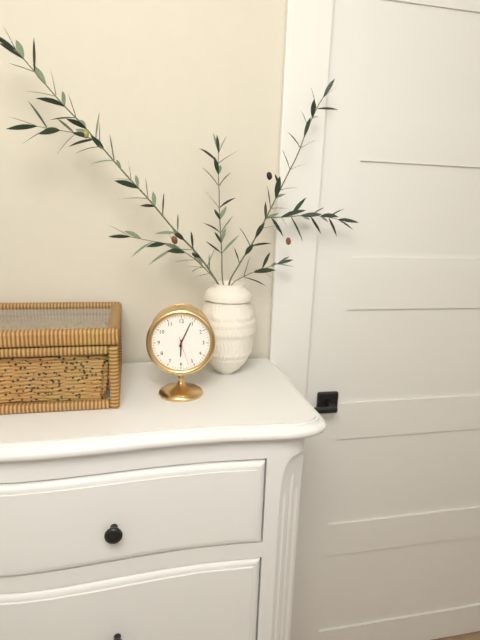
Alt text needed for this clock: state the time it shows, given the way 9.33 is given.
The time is 6.04
